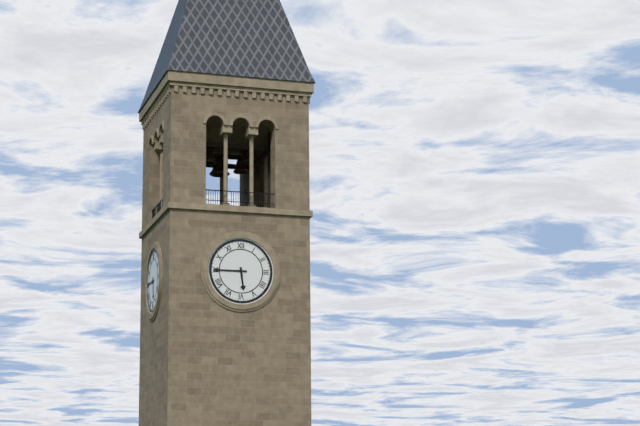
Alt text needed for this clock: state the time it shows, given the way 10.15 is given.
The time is 5.45
